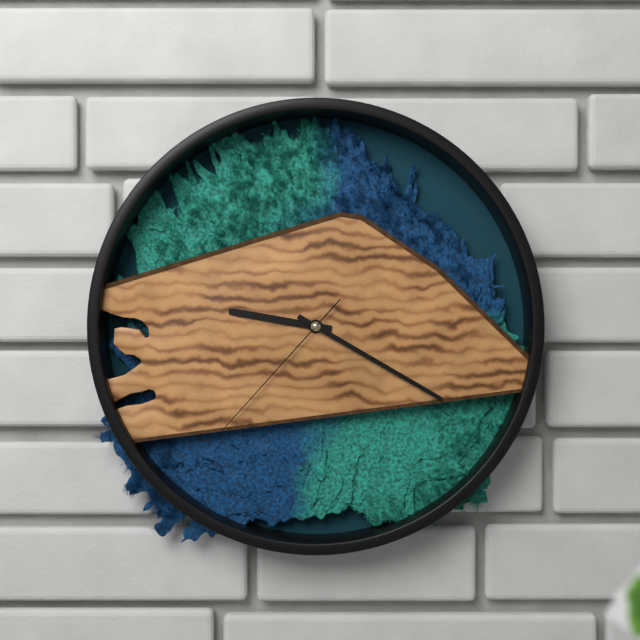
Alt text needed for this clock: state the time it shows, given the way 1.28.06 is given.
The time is 9.20.37
